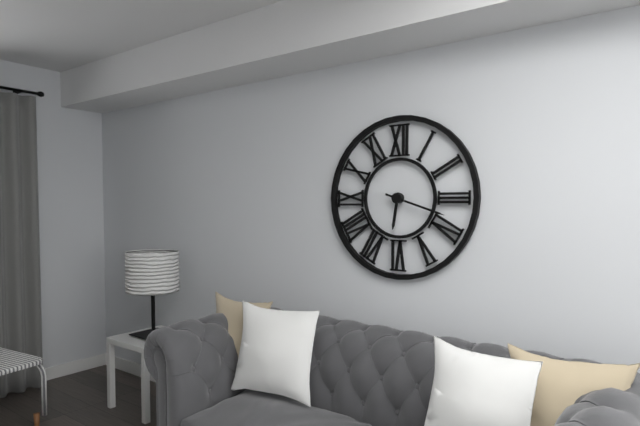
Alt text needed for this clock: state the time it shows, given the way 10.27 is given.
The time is 6.18
